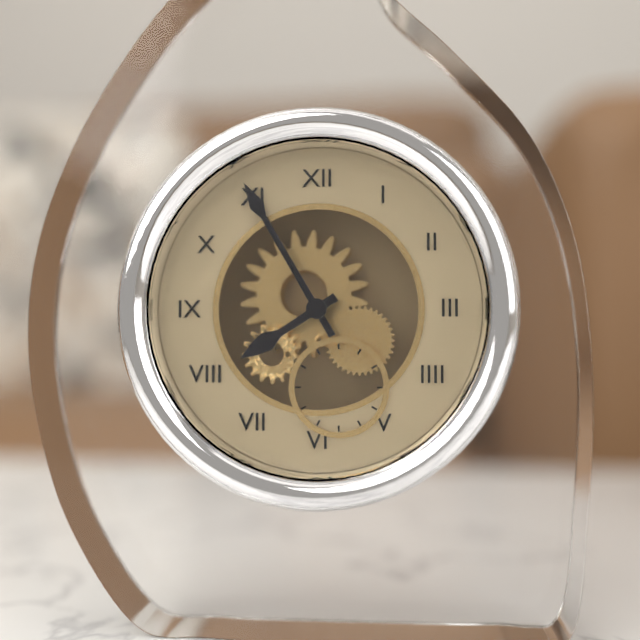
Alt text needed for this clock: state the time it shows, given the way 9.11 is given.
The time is 7.55
